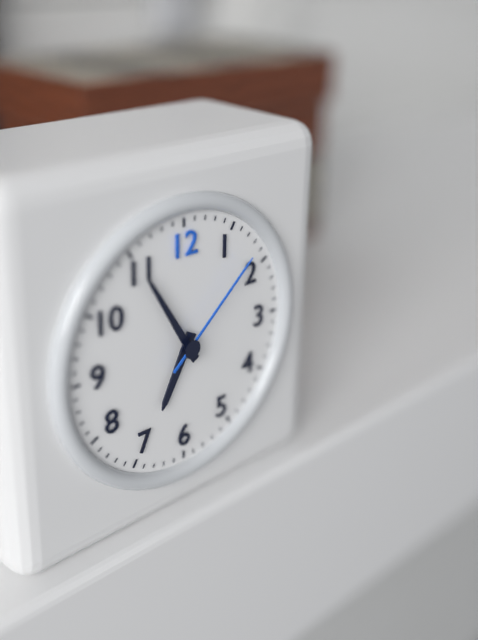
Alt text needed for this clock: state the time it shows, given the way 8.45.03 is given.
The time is 6.55.08
